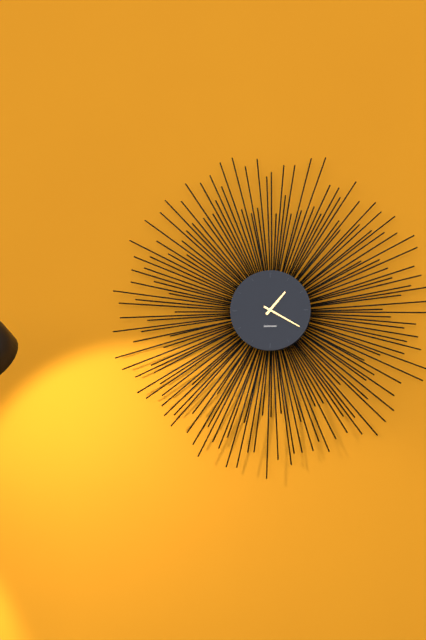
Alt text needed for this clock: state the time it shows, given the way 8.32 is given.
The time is 1.20
